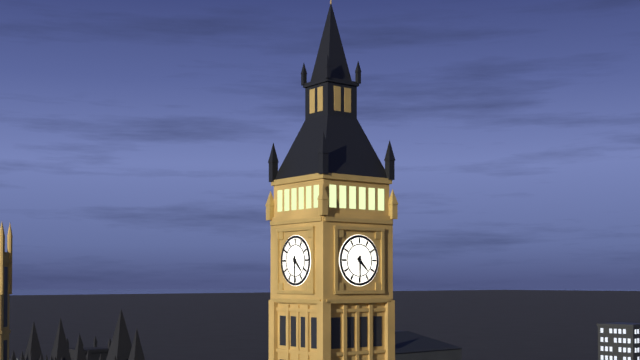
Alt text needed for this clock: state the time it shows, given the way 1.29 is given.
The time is 4.30
